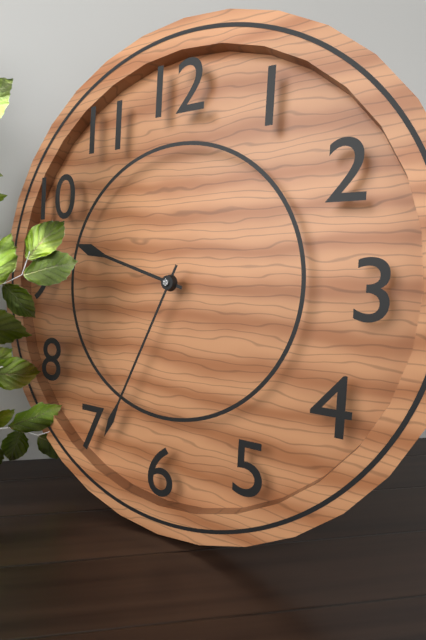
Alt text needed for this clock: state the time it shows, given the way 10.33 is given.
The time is 9.34
